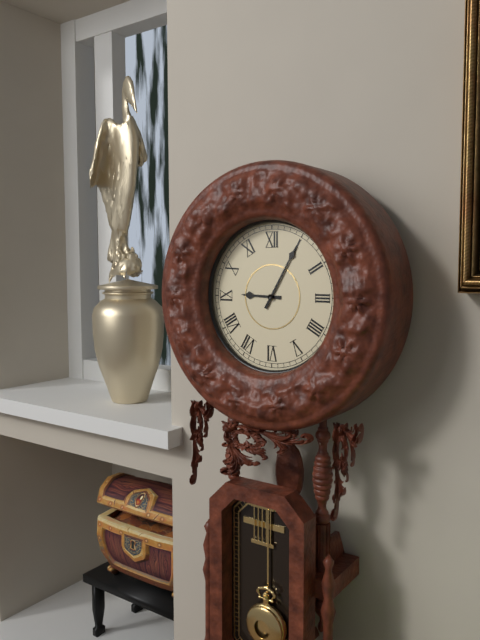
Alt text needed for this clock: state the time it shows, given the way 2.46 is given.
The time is 9.05
